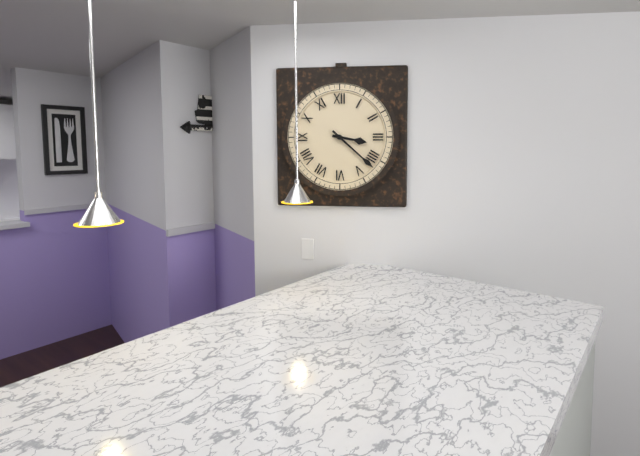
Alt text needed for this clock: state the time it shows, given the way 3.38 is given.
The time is 3.22
